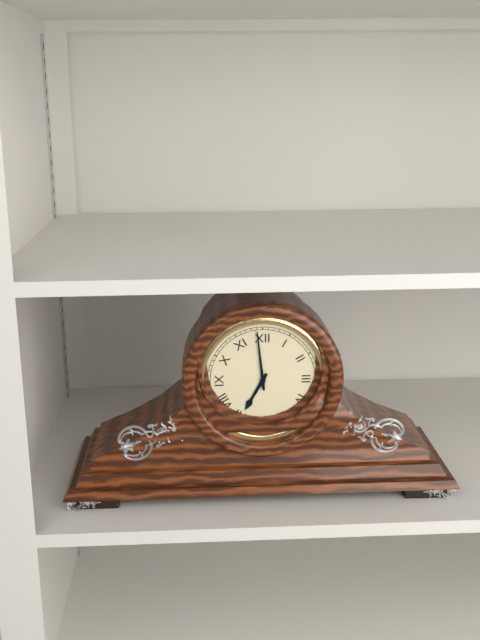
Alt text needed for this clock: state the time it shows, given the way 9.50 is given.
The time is 6.59
